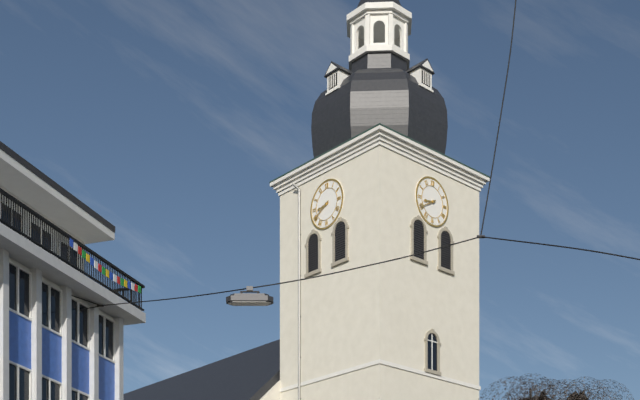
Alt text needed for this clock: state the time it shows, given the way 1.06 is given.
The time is 8.40
